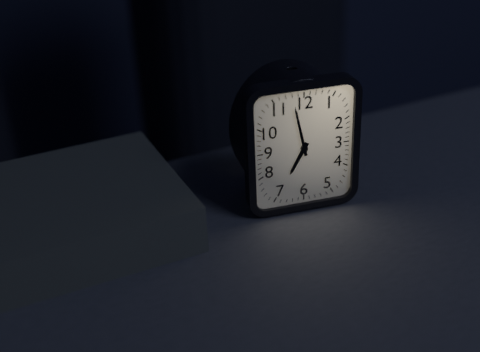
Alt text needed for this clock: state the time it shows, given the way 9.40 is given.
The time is 6.58
